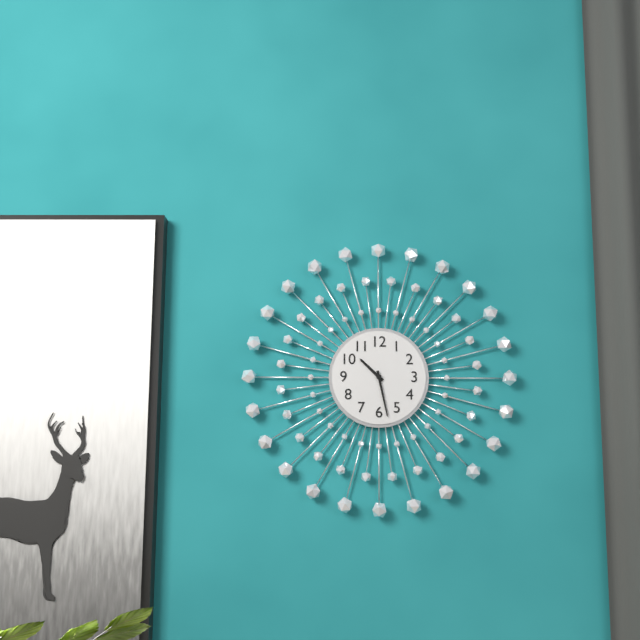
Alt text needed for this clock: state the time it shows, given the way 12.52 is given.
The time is 10.28
